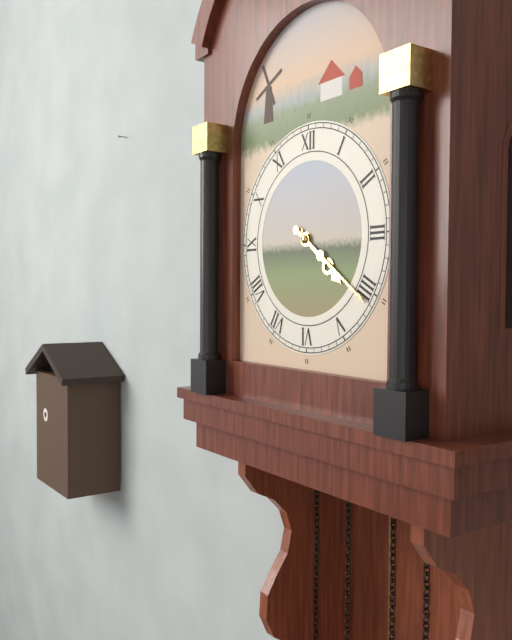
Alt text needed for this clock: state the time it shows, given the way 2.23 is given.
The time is 4.21
